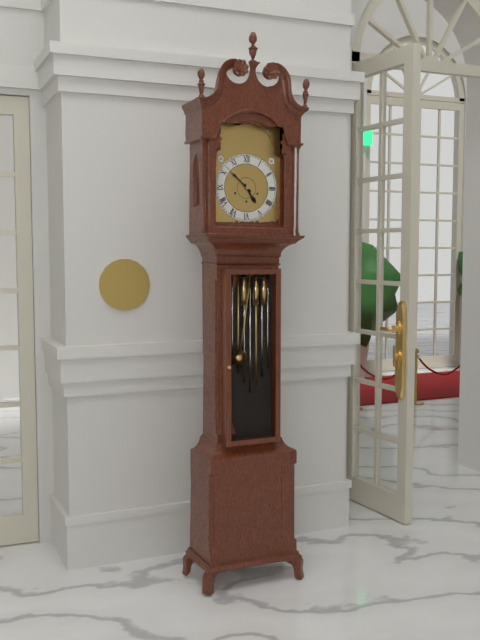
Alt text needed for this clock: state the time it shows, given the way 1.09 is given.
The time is 4.52
